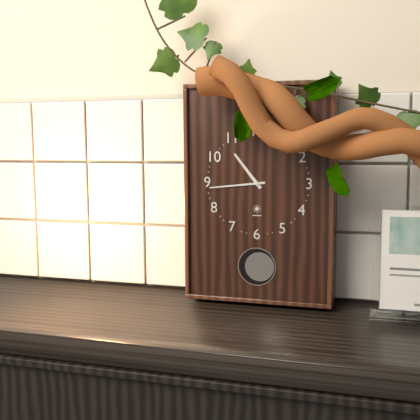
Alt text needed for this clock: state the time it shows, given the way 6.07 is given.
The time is 10.44
